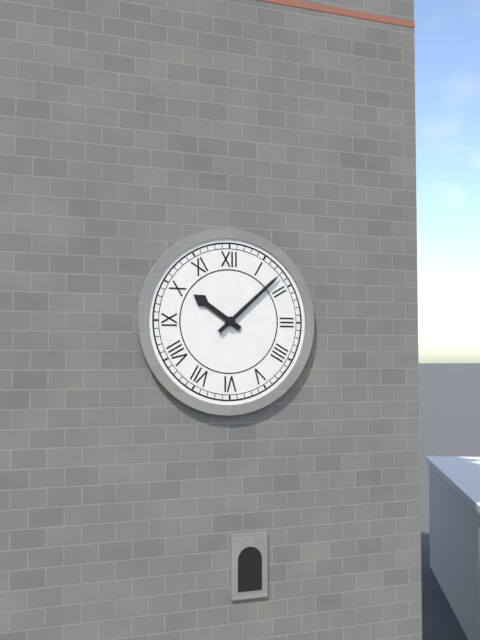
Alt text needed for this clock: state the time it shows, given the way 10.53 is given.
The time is 10.08
